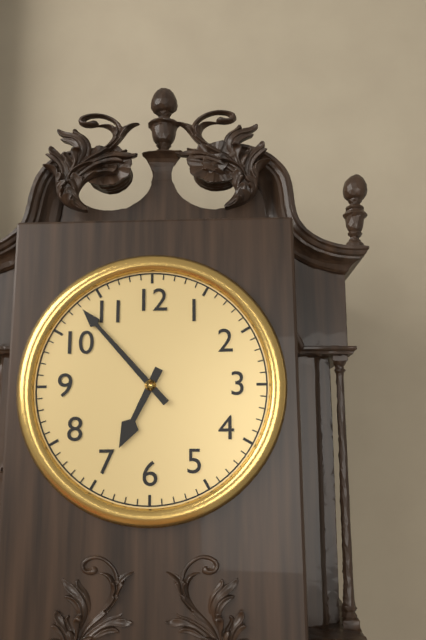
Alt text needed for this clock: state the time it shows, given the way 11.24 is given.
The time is 6.53
